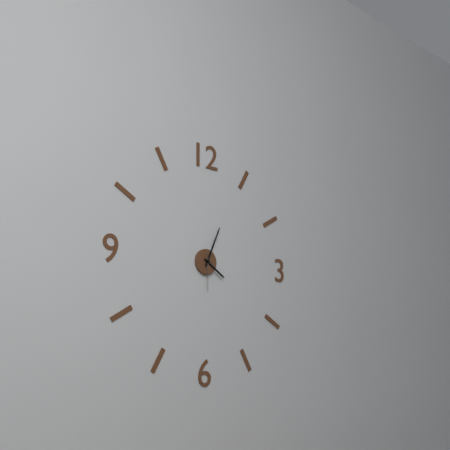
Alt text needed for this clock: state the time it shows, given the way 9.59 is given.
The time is 4.04
